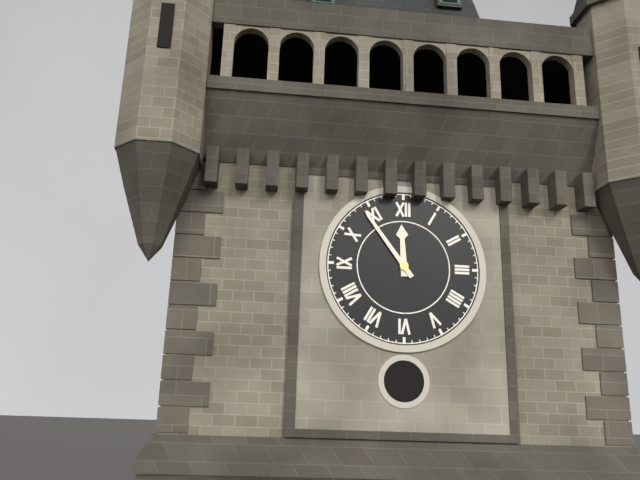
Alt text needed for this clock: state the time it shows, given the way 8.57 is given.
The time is 11.54
